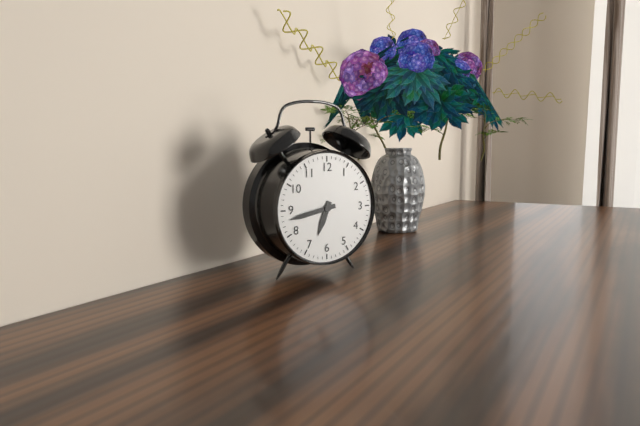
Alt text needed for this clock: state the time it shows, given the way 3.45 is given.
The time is 6.43
